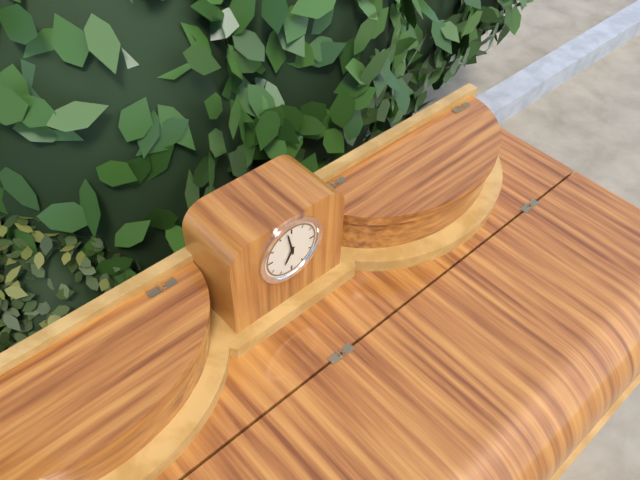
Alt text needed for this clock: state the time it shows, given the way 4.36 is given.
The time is 6.58
